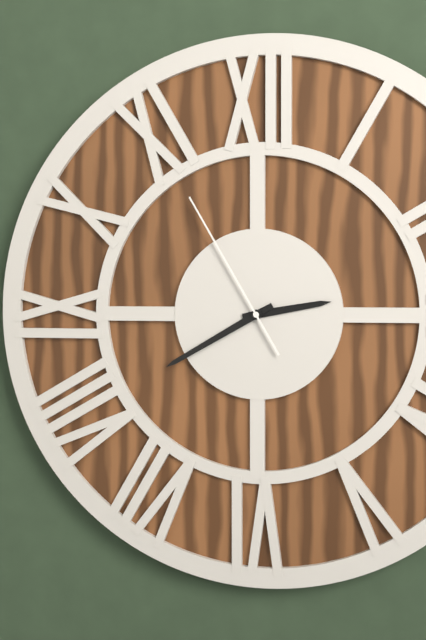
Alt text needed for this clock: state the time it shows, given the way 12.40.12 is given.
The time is 2.40.55
